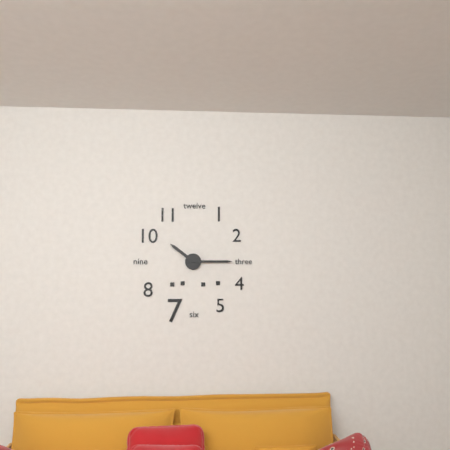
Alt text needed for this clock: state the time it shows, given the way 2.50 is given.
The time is 10.15
